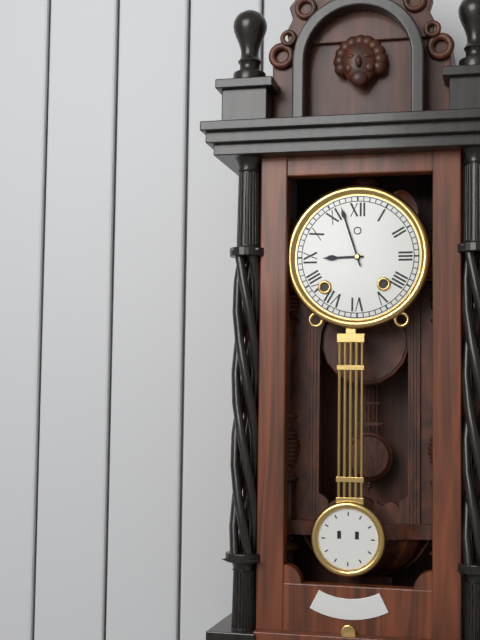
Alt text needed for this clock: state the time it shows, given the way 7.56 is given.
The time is 8.57
